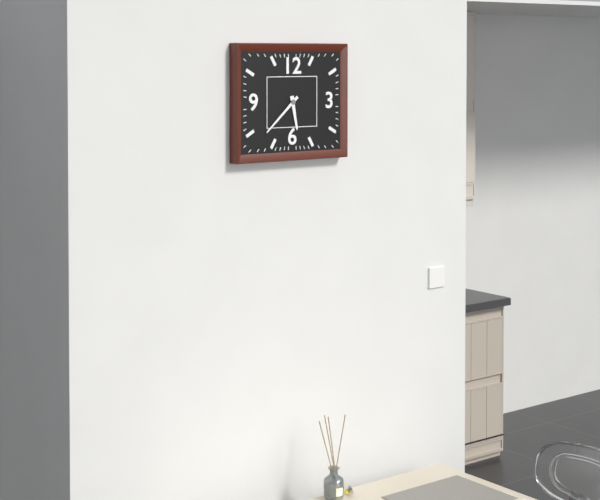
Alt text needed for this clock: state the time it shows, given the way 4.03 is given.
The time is 5.38
